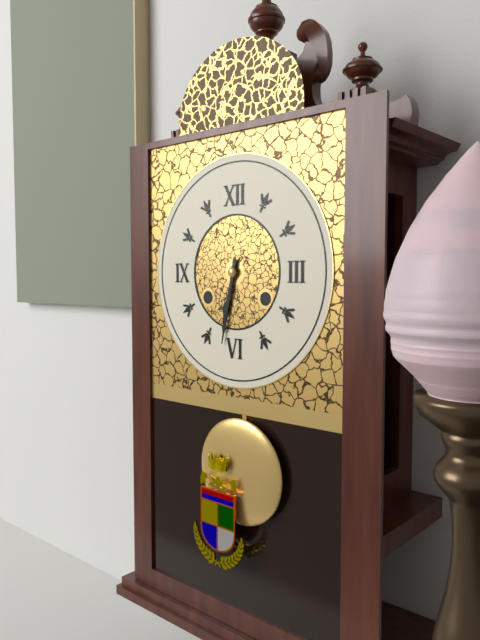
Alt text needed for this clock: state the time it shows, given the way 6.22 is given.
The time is 6.32
